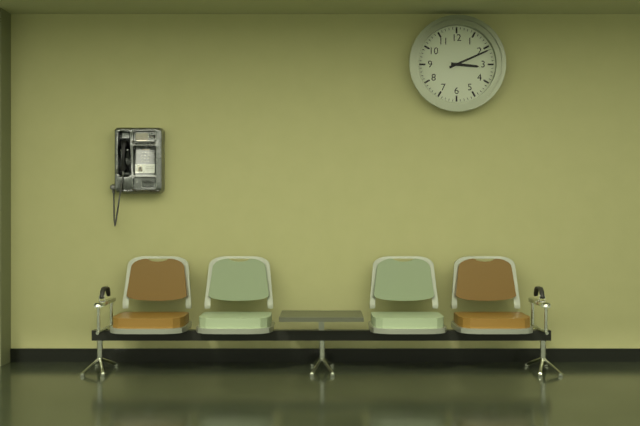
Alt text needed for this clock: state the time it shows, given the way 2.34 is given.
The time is 3.11
